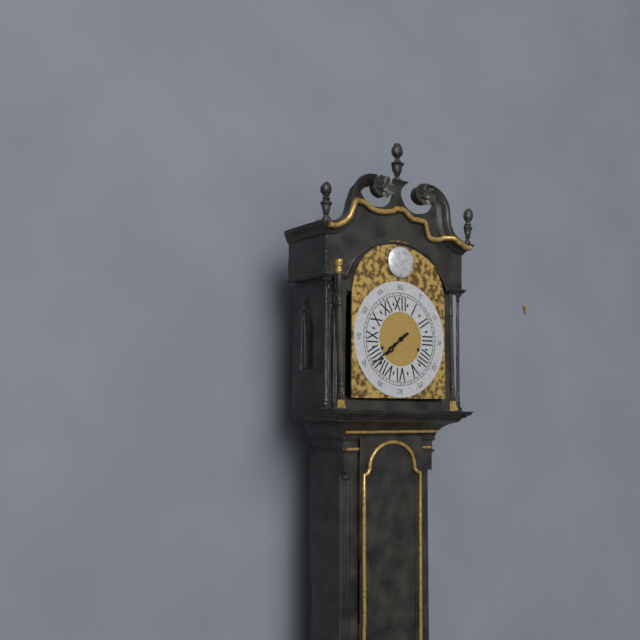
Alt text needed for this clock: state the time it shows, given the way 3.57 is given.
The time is 7.39
